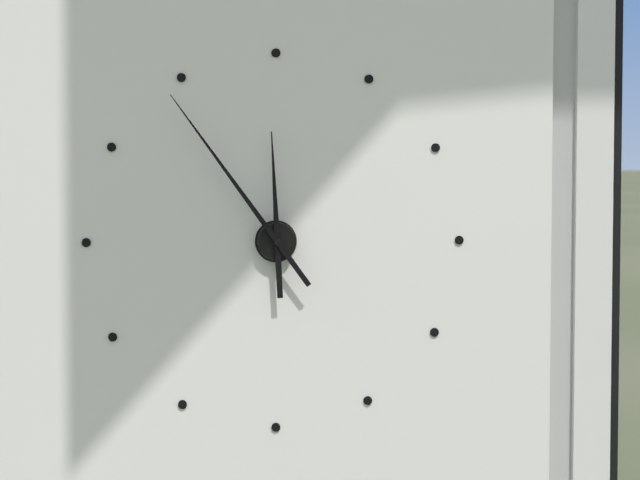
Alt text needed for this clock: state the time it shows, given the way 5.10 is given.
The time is 11.54
